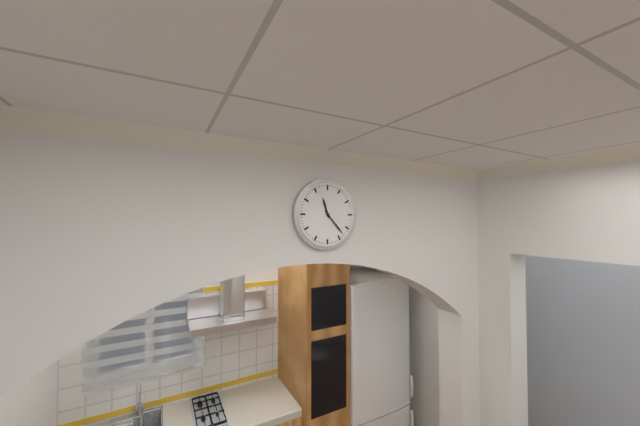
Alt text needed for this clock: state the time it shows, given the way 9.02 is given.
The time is 11.23
